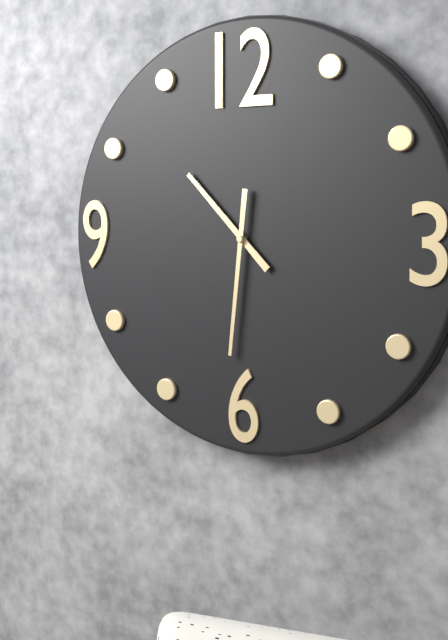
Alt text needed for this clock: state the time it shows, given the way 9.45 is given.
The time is 10.31
